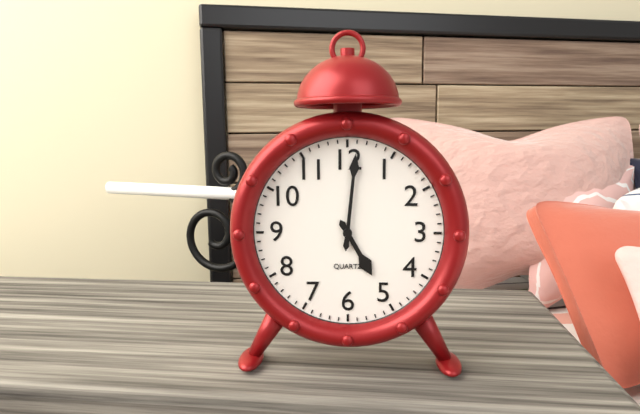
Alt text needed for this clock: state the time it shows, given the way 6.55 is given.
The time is 5.01
